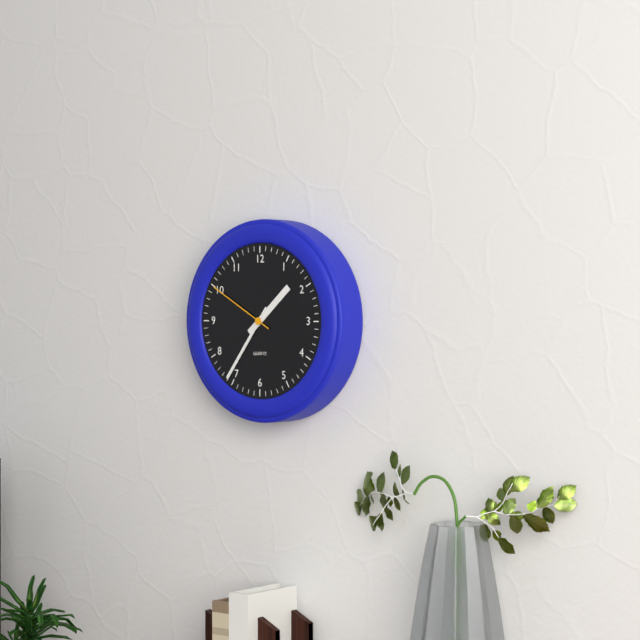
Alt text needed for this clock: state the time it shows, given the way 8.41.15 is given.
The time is 1.36.50
